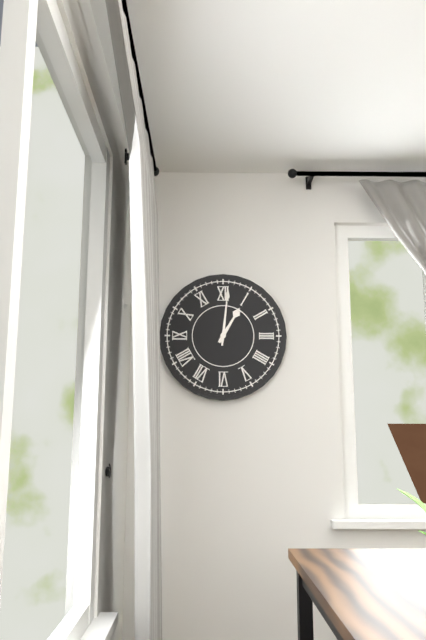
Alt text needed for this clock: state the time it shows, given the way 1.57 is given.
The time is 1.01
